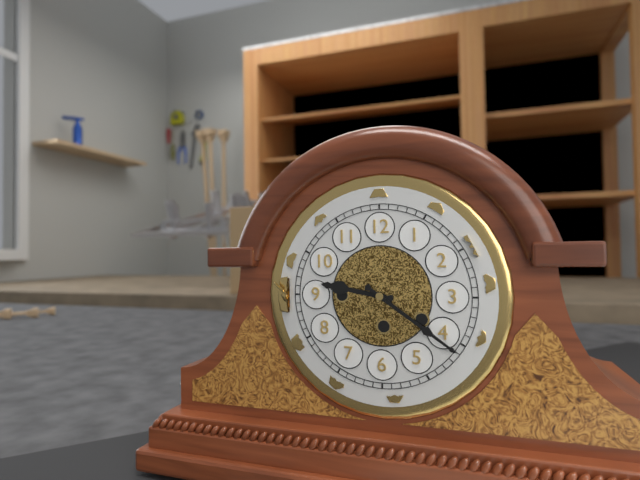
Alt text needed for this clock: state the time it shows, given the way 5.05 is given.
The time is 9.21
